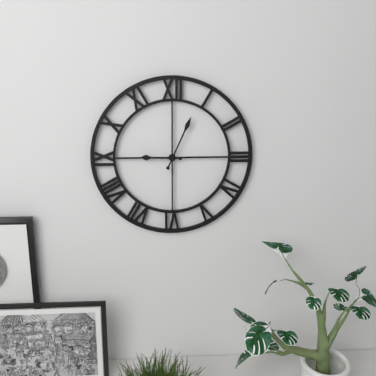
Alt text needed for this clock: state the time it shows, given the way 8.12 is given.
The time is 9.04
